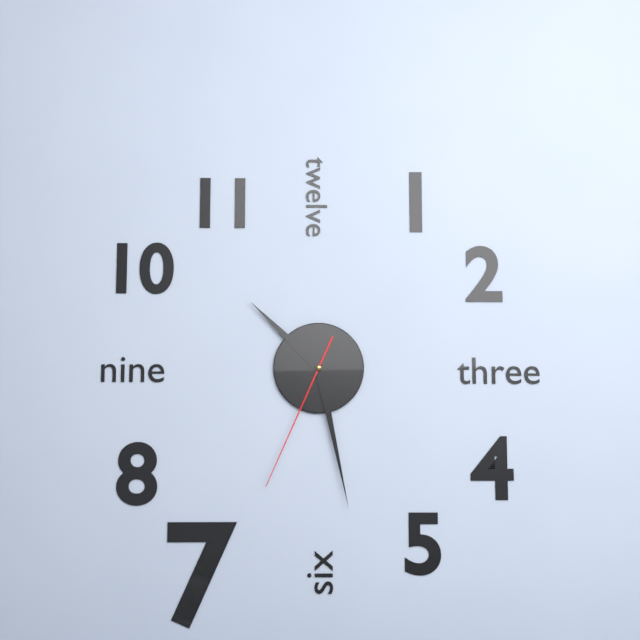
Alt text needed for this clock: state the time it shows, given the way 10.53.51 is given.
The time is 10.28.34
